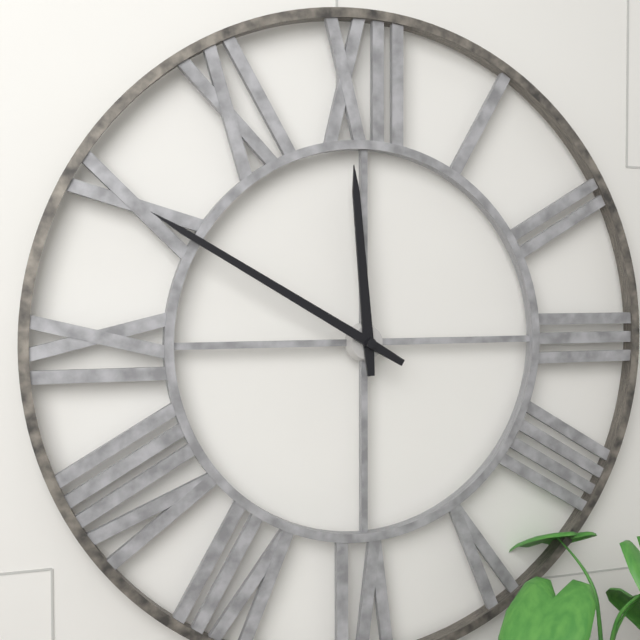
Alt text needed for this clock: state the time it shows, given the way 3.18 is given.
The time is 11.50
